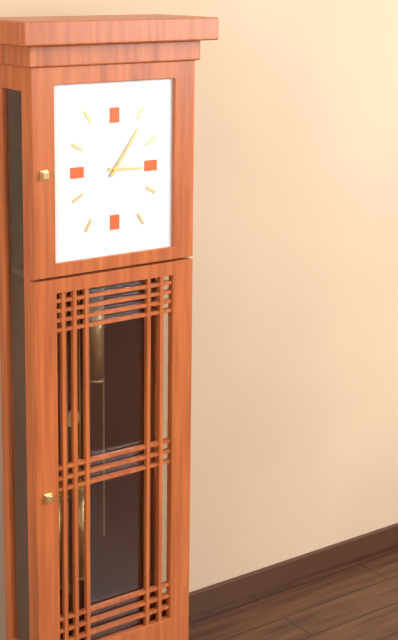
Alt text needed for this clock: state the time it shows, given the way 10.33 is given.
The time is 3.06
